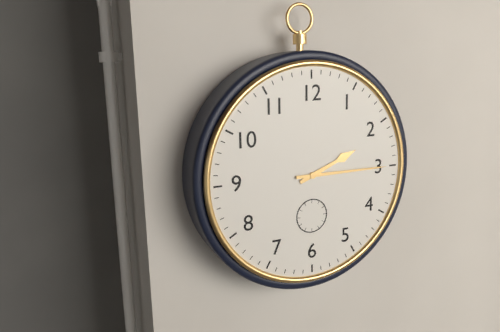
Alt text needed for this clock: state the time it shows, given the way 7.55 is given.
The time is 2.15
